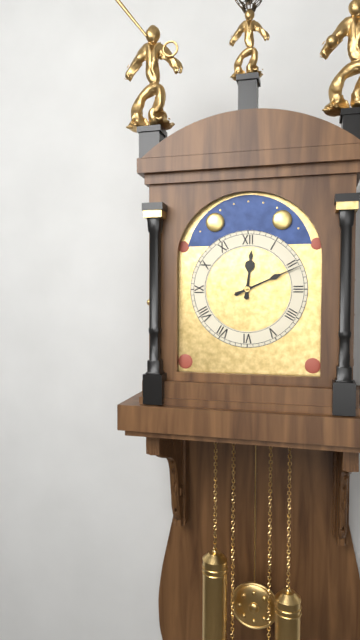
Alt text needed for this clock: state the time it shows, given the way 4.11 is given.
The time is 12.11
